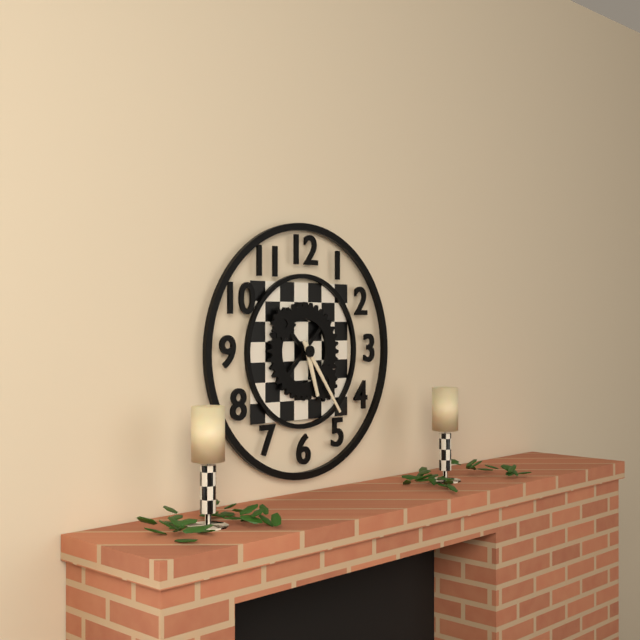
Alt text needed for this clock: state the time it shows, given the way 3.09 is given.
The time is 5.24
